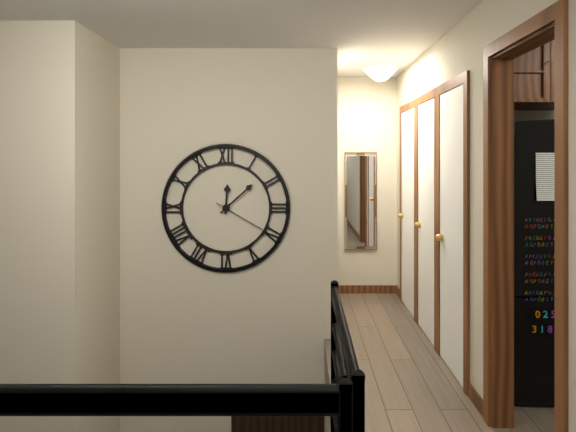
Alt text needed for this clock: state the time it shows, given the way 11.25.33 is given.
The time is 12.08.20
